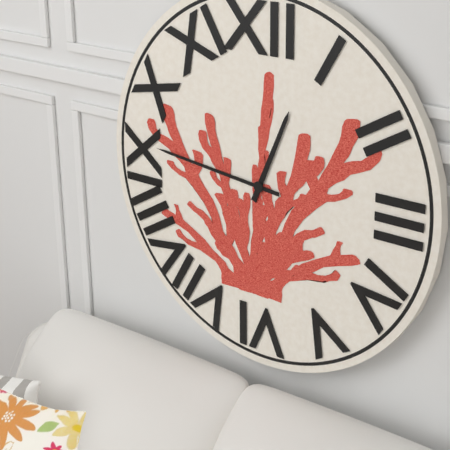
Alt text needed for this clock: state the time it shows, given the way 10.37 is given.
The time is 12.46
